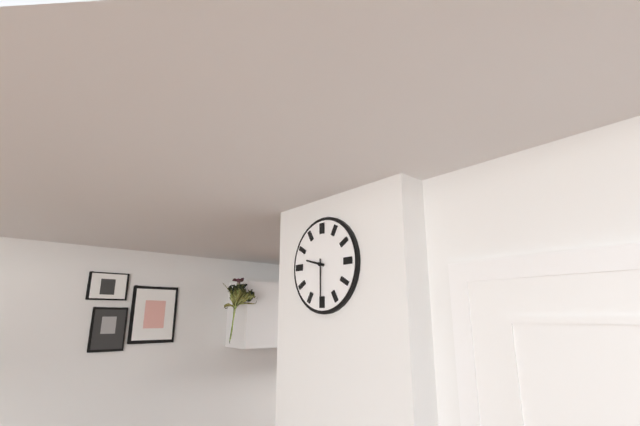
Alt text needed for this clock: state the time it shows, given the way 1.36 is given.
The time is 9.30
